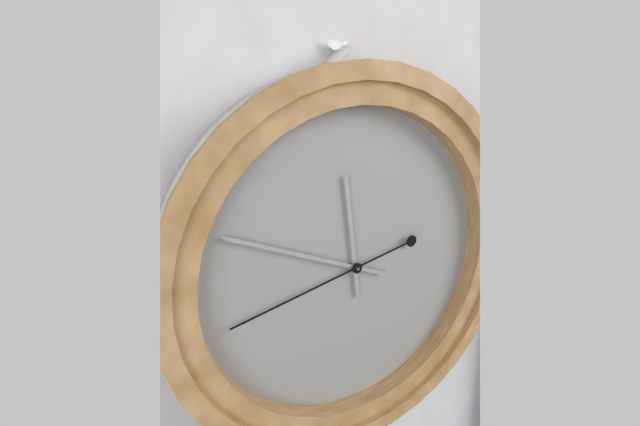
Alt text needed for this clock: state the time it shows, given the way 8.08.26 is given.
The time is 11.49.43
